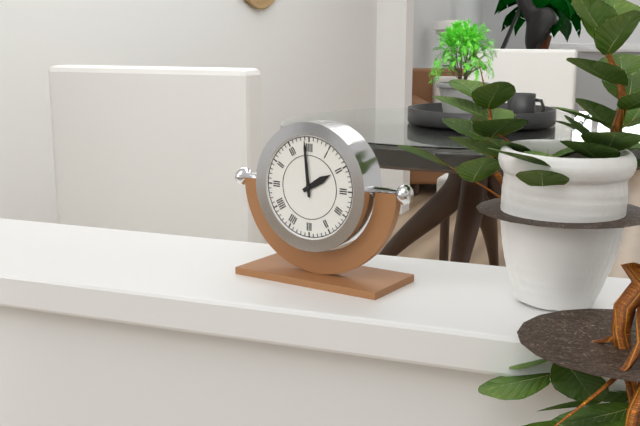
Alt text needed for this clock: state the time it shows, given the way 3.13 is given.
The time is 1.59
